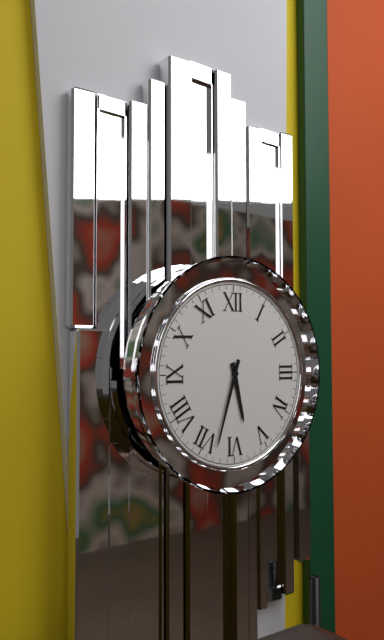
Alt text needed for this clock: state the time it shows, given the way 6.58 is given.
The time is 5.33
